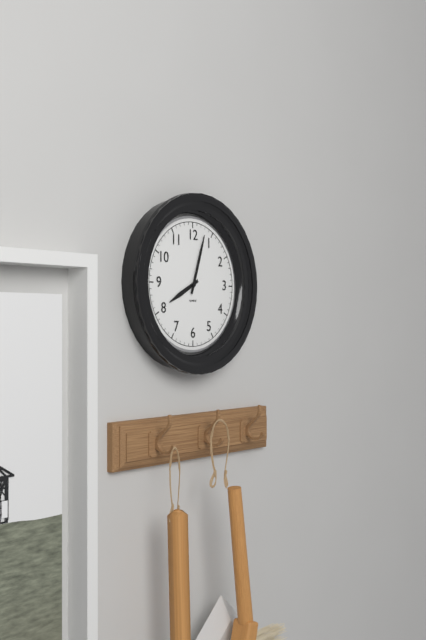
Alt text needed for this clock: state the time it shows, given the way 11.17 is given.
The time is 8.03
